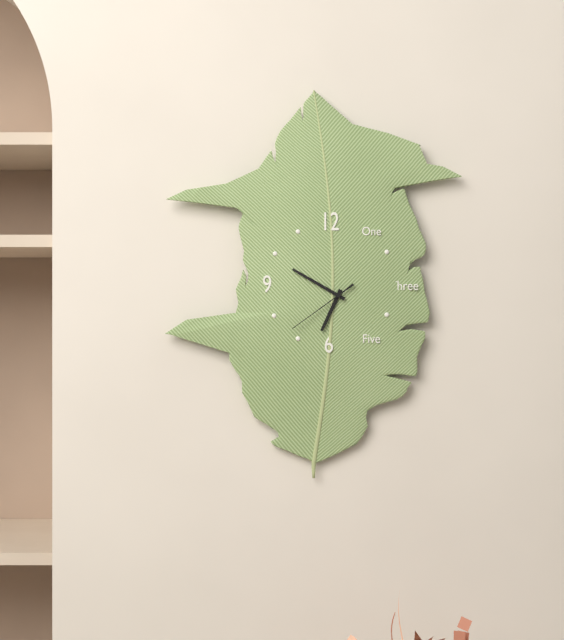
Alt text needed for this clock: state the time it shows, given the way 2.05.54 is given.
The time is 6.50.39
